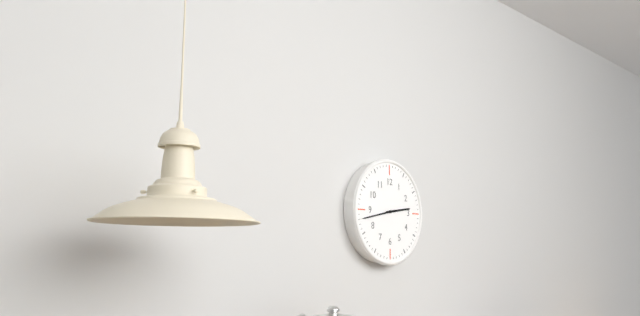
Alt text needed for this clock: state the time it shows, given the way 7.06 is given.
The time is 2.43
